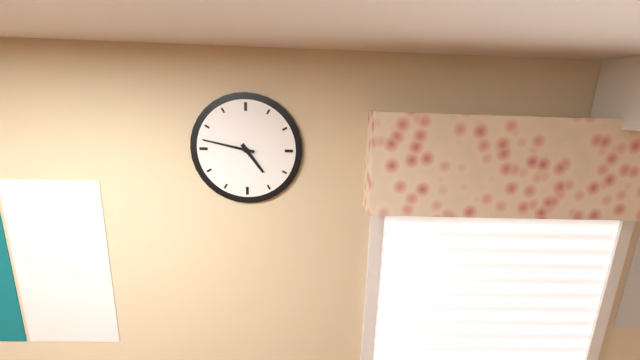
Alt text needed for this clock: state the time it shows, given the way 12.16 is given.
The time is 4.47
